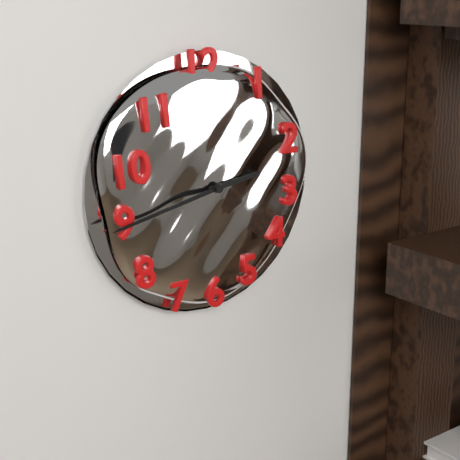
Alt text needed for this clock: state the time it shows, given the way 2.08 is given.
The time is 2.43
